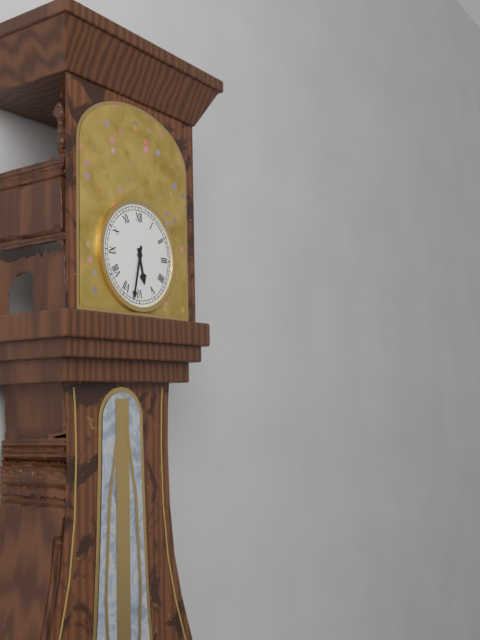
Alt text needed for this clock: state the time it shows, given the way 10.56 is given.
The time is 5.32
